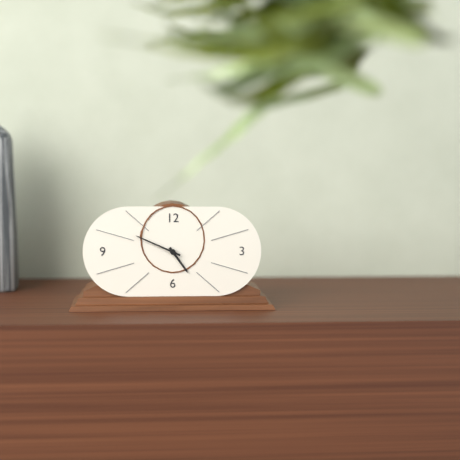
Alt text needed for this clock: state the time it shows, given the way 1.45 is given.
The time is 4.49
